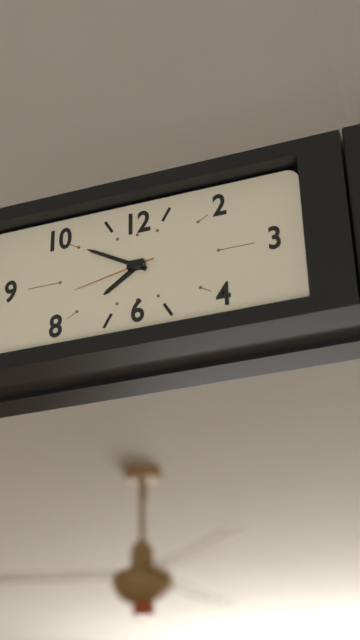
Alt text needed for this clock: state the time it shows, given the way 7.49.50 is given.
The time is 7.50.43
